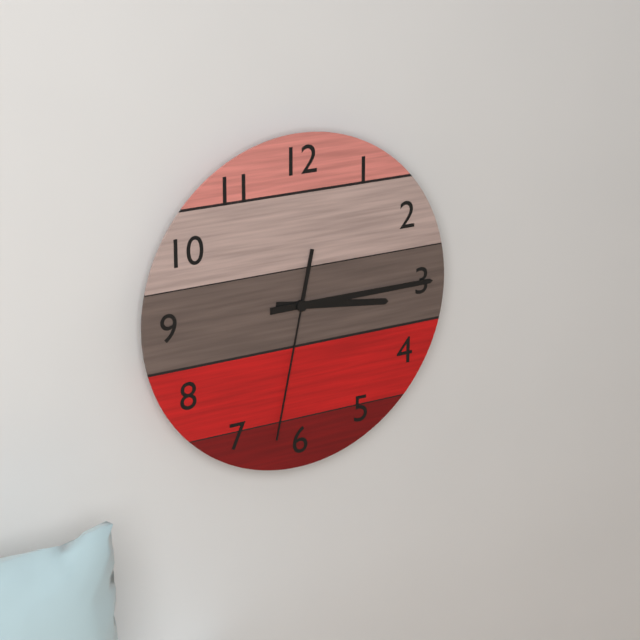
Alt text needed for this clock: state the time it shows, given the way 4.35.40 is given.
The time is 3.15.32
